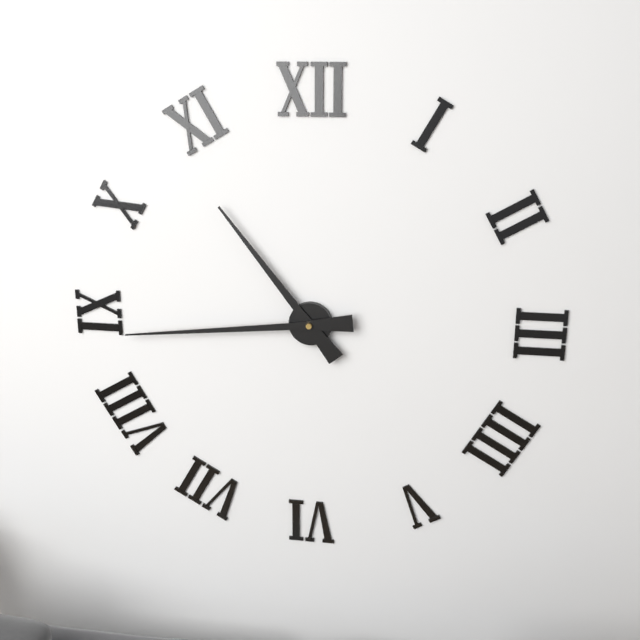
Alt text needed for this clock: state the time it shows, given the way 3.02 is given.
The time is 10.44
